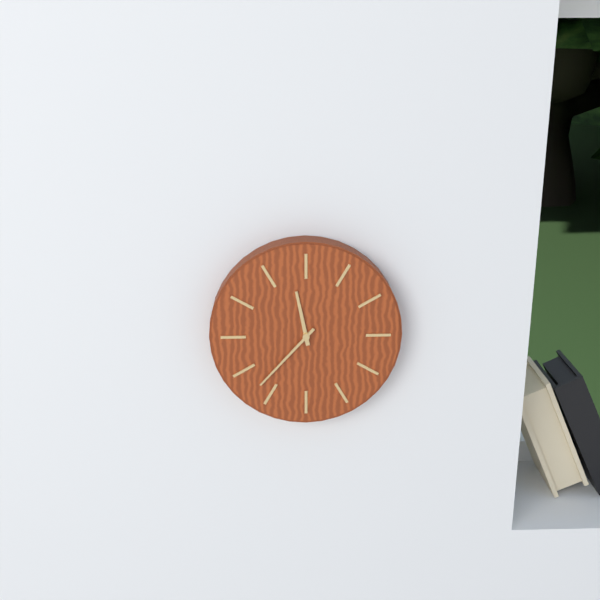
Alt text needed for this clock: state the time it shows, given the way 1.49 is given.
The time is 11.37
